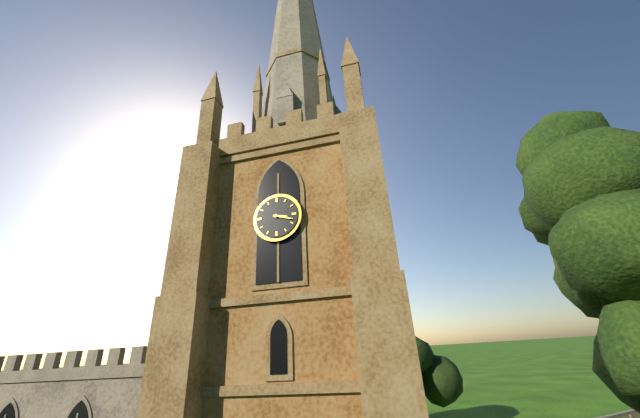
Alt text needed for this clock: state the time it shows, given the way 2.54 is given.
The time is 3.18
